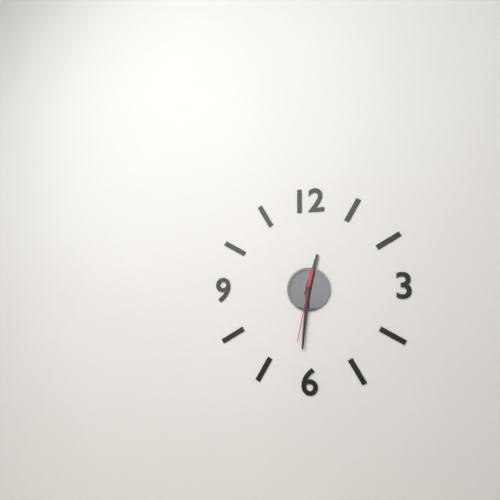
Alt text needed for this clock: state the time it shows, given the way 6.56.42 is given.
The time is 12.31.32
